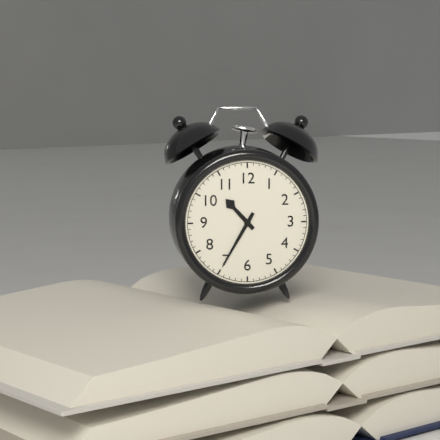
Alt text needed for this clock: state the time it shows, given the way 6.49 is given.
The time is 10.35
